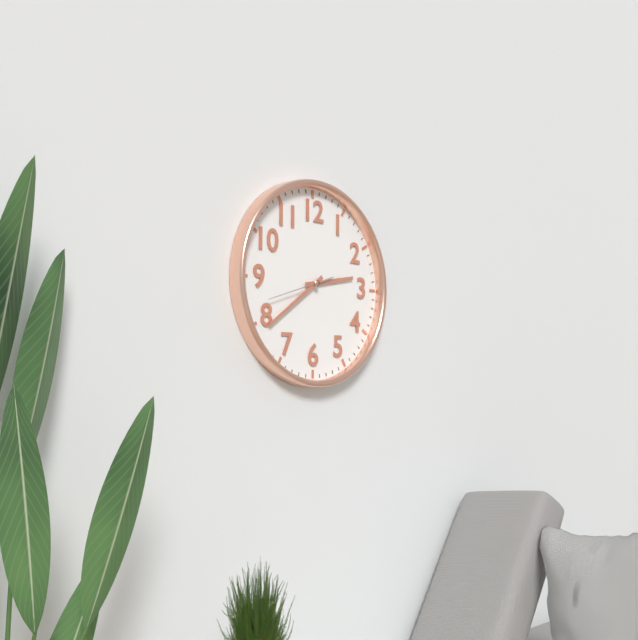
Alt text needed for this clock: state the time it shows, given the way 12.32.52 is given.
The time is 2.39.42
